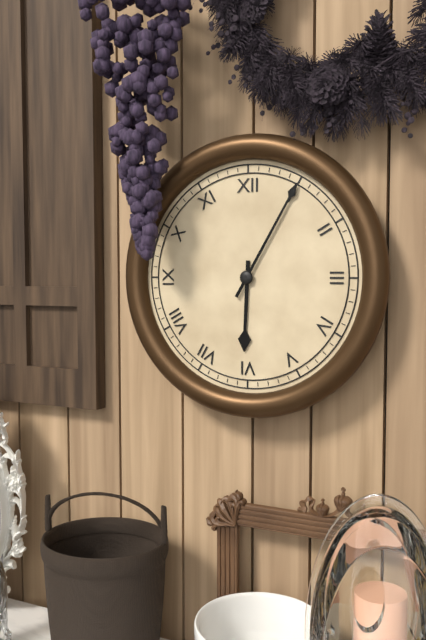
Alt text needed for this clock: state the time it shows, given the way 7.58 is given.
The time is 6.05
